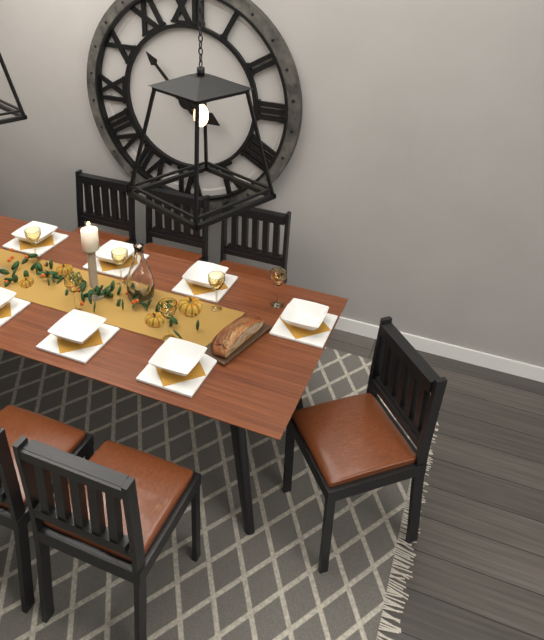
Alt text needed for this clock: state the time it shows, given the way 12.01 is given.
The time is 3.53
